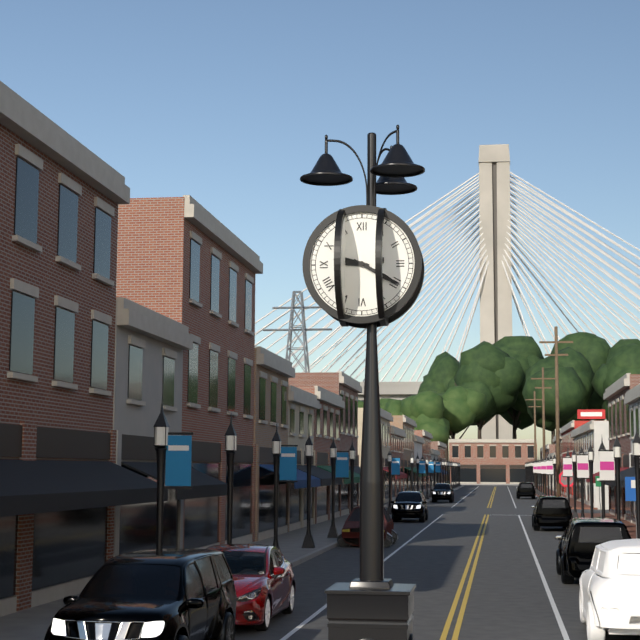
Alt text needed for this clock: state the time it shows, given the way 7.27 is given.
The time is 9.20
